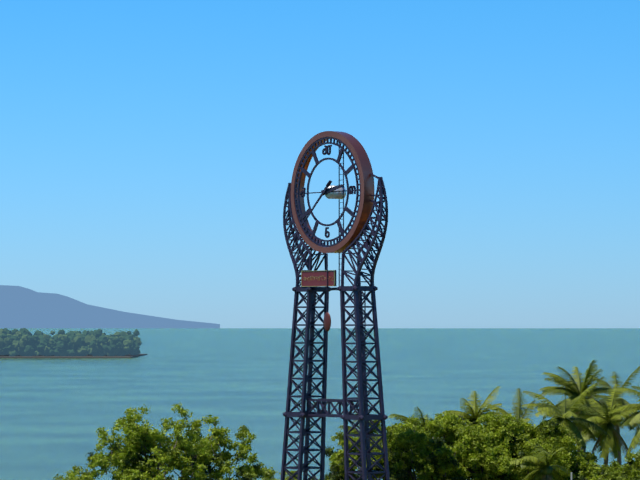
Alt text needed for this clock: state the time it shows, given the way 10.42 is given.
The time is 2.38
